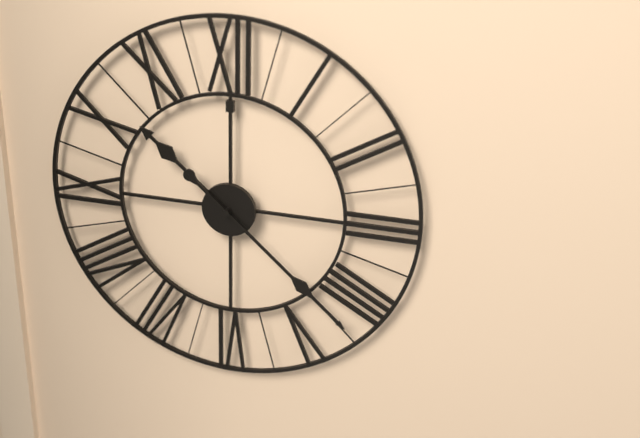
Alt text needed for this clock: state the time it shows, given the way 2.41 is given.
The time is 10.22
